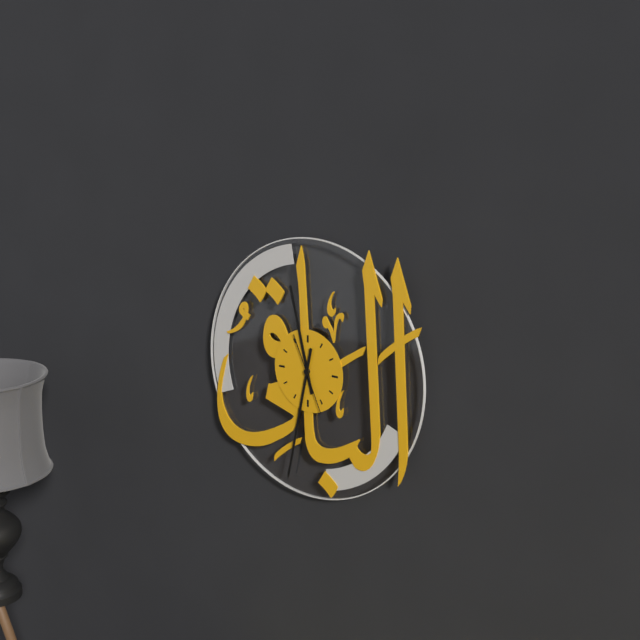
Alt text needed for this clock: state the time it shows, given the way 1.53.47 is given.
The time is 11.32.26
